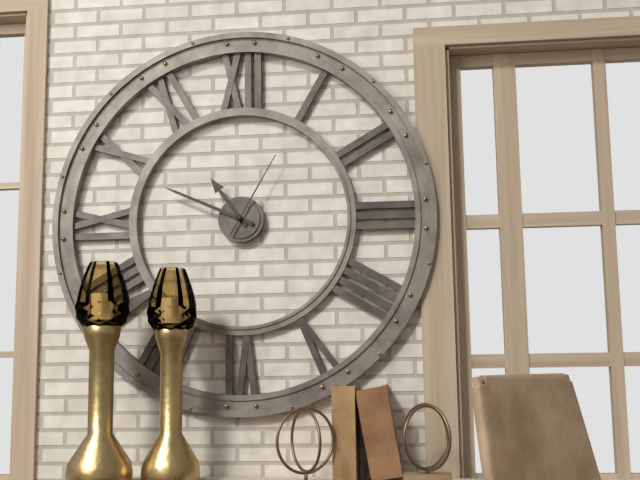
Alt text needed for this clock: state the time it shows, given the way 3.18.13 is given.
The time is 10.49.05
